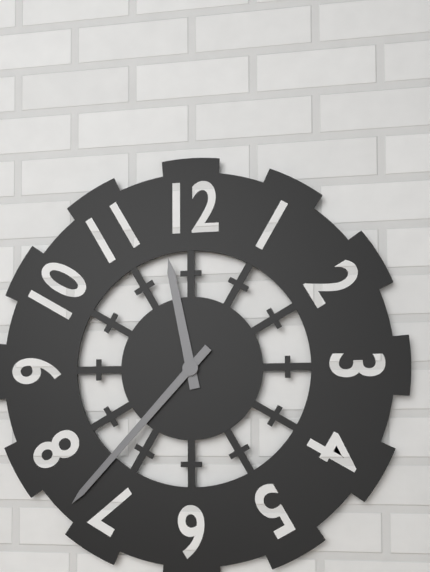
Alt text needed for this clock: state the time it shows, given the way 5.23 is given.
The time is 11.37
